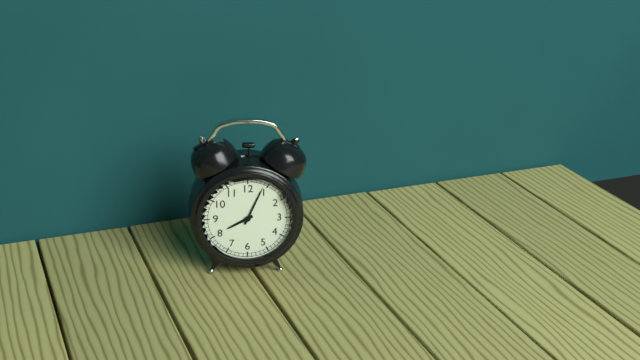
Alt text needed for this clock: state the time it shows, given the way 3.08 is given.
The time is 8.04
